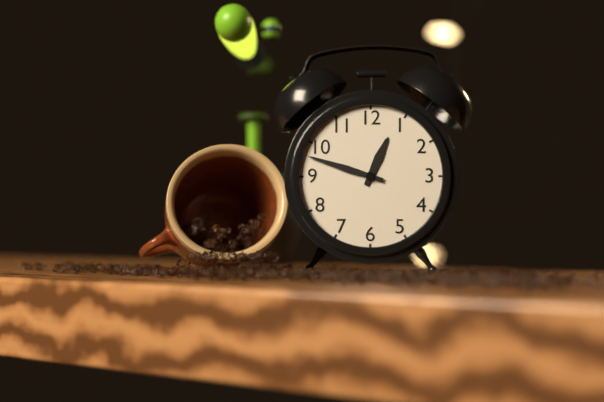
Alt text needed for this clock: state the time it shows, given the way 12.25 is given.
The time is 12.48
